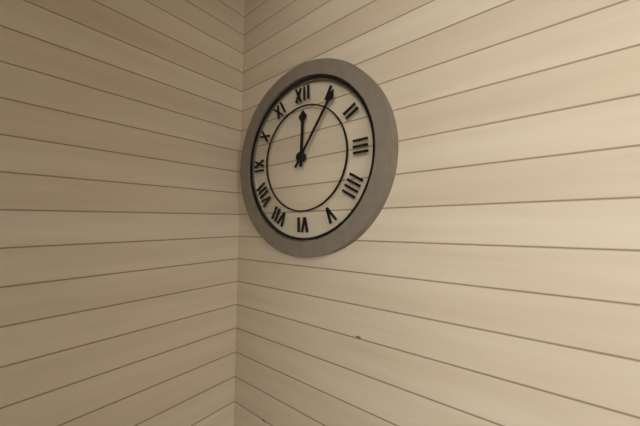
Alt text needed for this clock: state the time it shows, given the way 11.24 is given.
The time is 12.06
